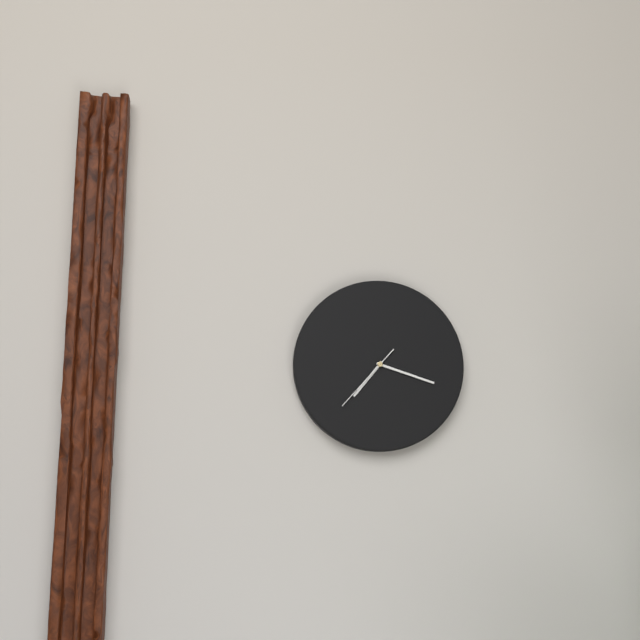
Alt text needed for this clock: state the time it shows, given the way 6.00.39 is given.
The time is 7.18.37
